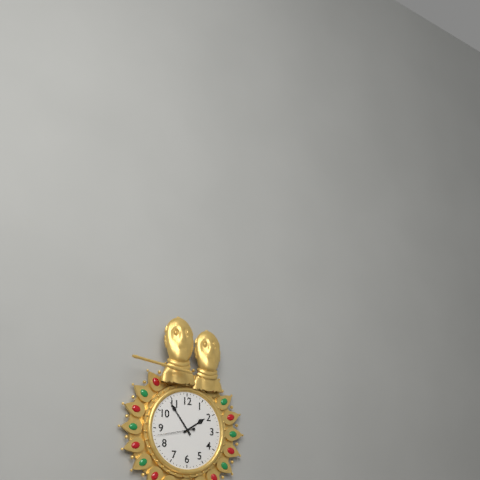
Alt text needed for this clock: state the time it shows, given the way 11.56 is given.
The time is 1.54
